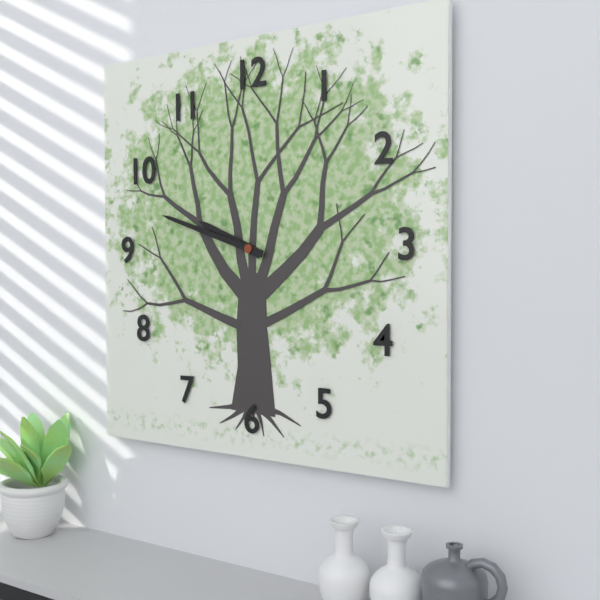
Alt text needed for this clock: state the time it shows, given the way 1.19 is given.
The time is 9.48
